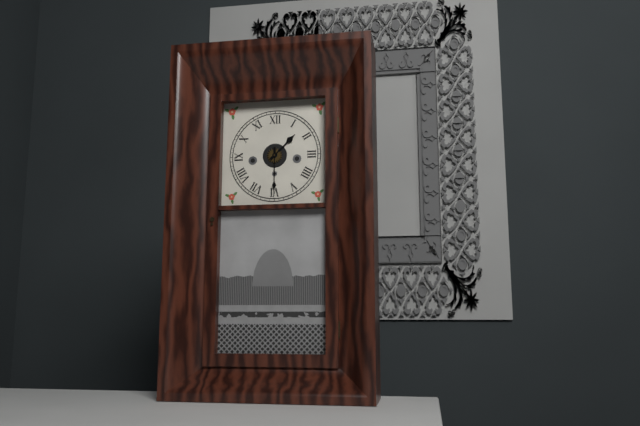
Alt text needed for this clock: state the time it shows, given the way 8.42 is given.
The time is 1.30
